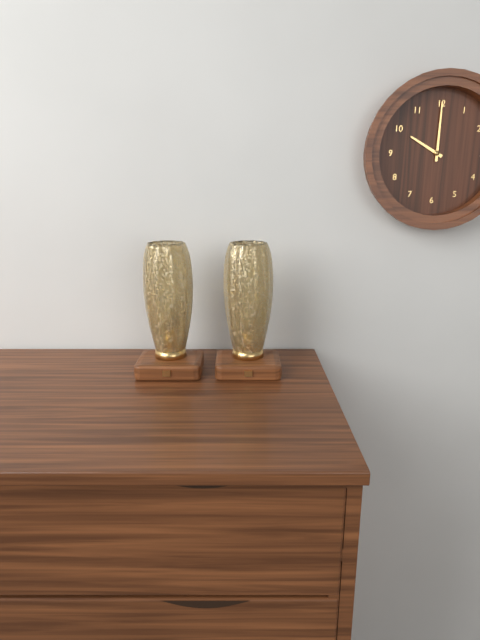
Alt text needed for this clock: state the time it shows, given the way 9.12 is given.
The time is 10.00
